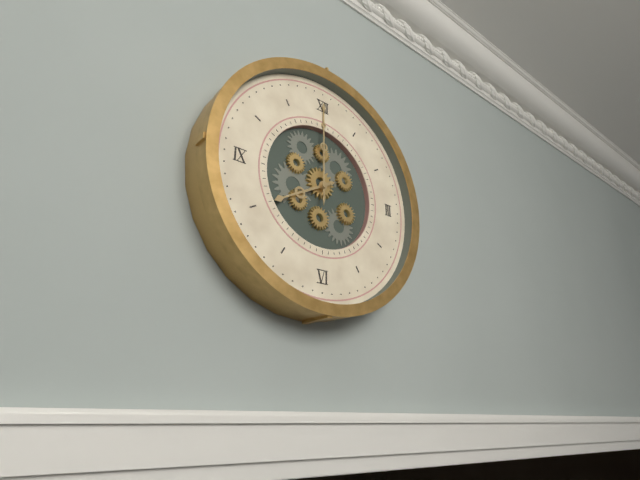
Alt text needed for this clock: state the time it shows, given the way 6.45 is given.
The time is 8.00
